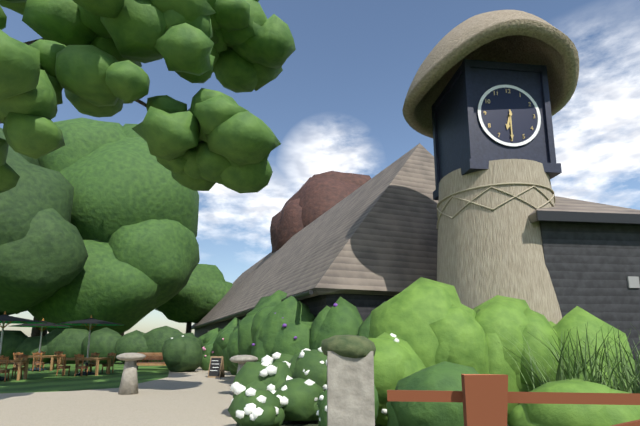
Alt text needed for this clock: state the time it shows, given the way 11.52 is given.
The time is 6.30
